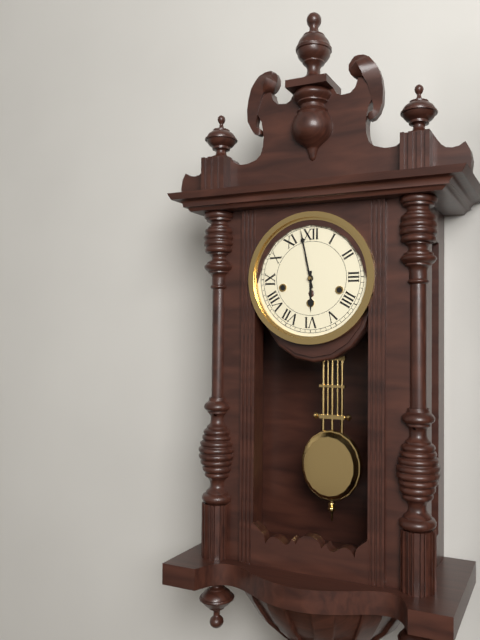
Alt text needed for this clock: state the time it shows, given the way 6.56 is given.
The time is 5.58
